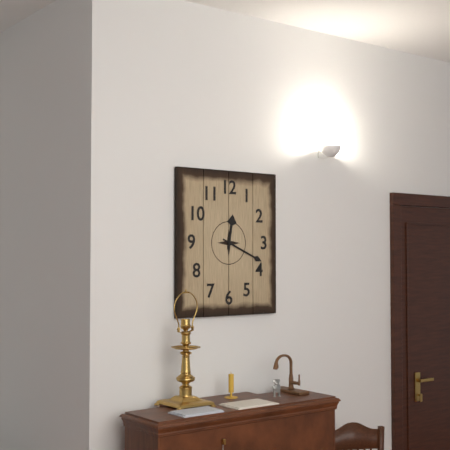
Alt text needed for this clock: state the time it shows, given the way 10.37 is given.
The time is 12.19
